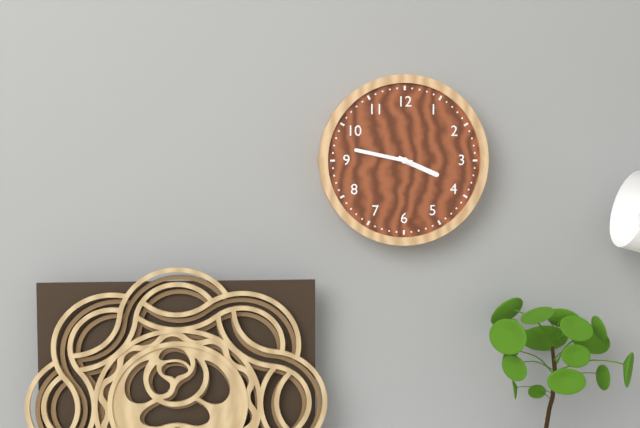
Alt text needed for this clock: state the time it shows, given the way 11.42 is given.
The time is 3.47
